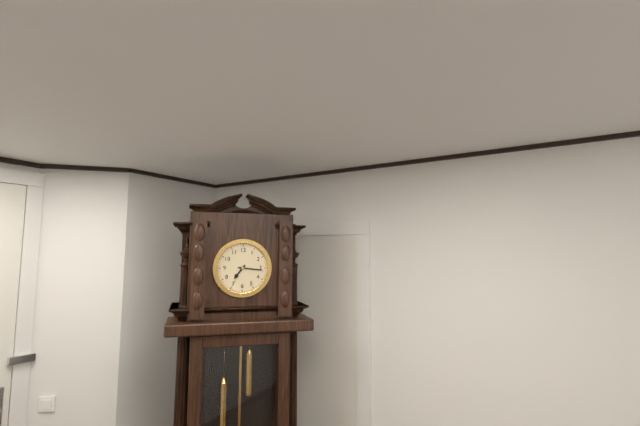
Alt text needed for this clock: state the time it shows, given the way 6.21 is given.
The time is 7.16
